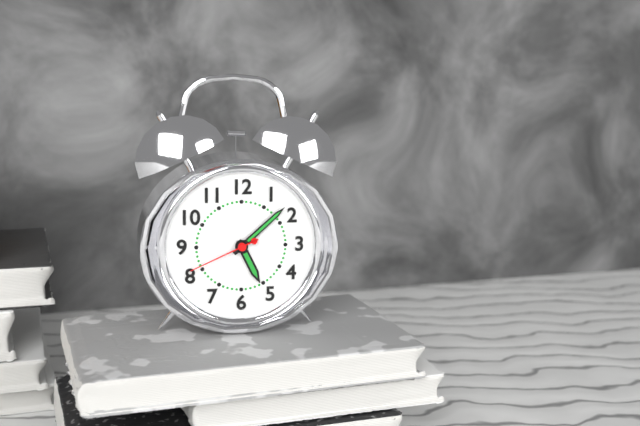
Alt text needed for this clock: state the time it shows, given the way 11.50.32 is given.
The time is 5.08.41
